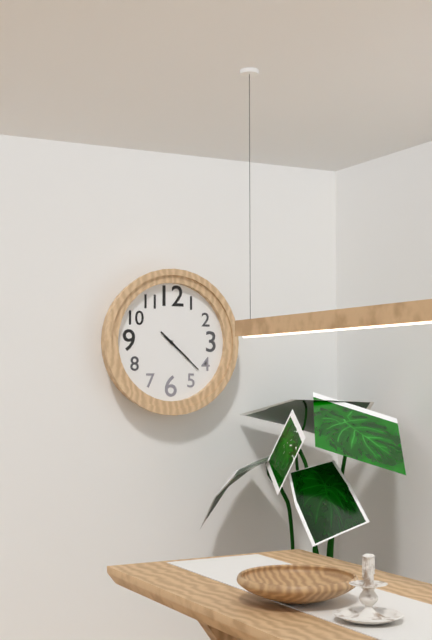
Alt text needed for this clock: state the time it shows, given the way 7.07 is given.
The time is 4.22
